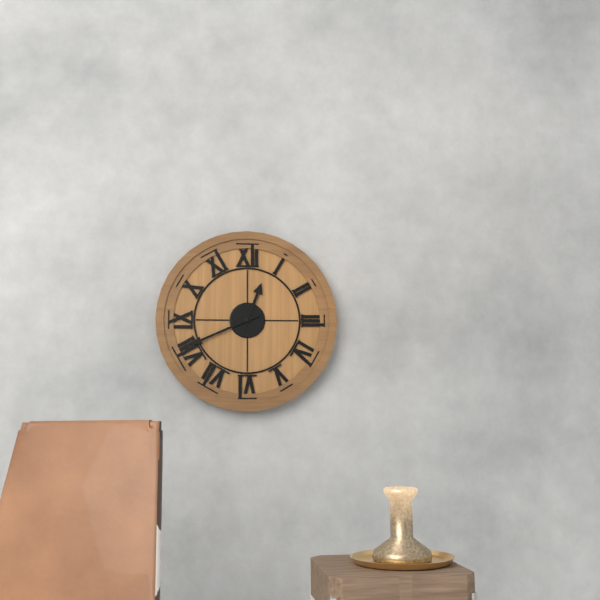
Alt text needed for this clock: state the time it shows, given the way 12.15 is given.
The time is 12.41
